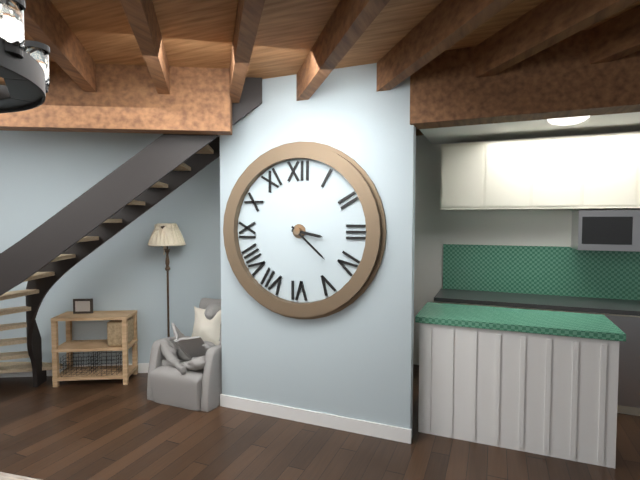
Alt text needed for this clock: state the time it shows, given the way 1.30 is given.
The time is 3.22
